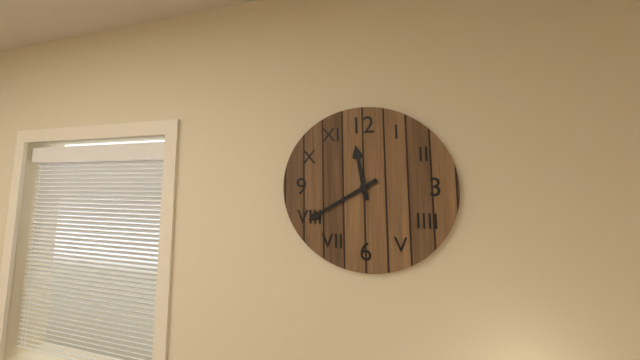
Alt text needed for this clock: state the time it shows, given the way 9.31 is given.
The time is 11.40
